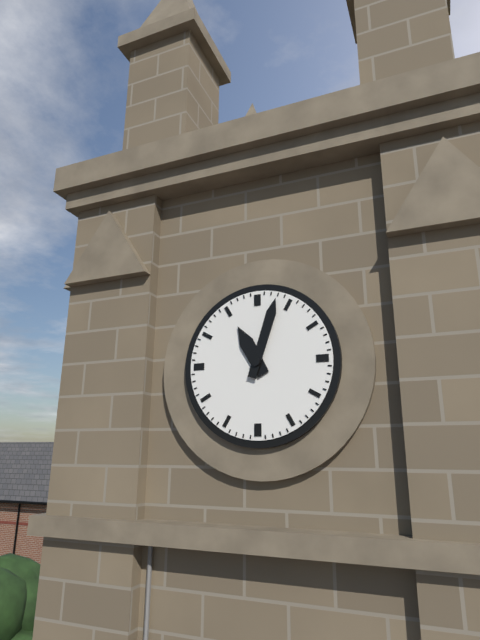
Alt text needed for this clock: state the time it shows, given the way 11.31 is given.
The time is 11.03
